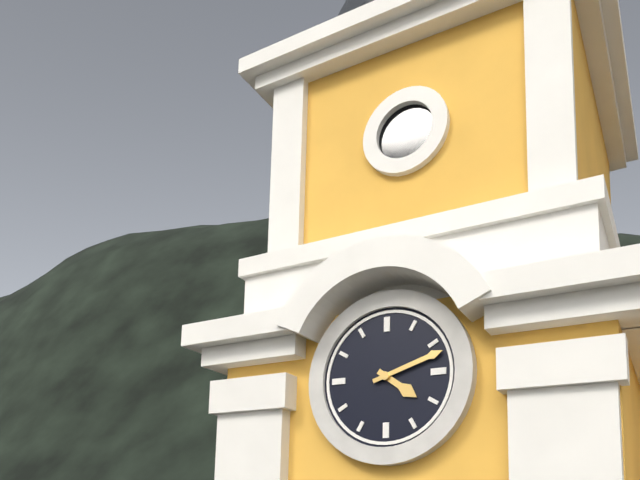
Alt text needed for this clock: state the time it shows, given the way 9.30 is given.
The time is 4.12
